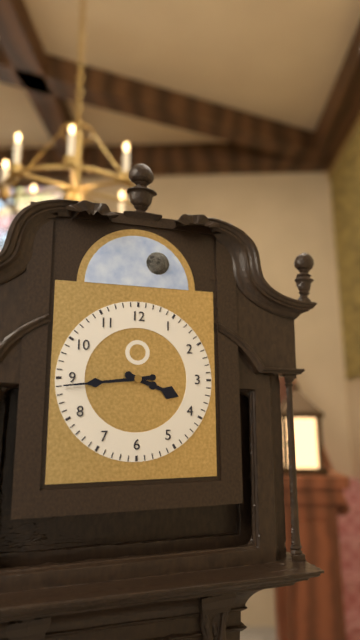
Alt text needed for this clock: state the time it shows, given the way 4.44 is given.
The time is 3.44
